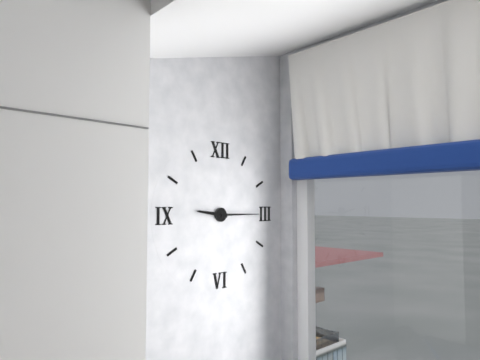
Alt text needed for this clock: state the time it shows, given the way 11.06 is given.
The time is 9.15
